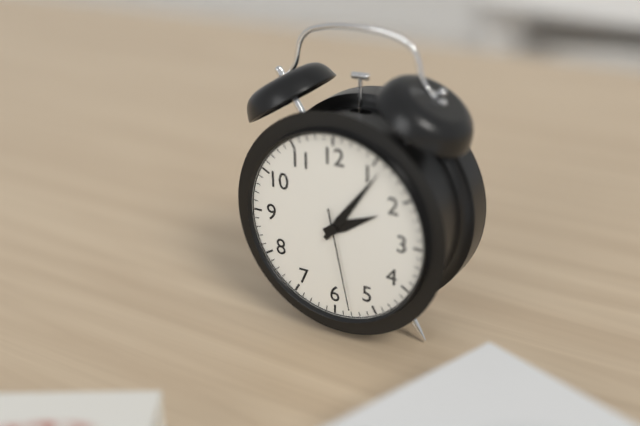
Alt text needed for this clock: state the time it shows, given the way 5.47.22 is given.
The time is 2.06.28
